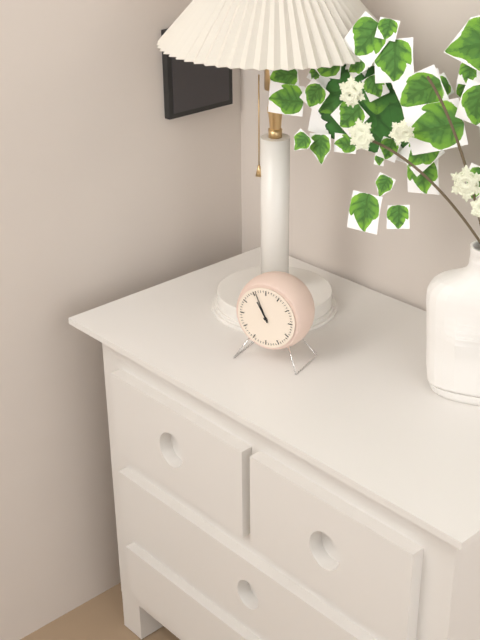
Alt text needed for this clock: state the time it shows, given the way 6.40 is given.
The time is 10.56
